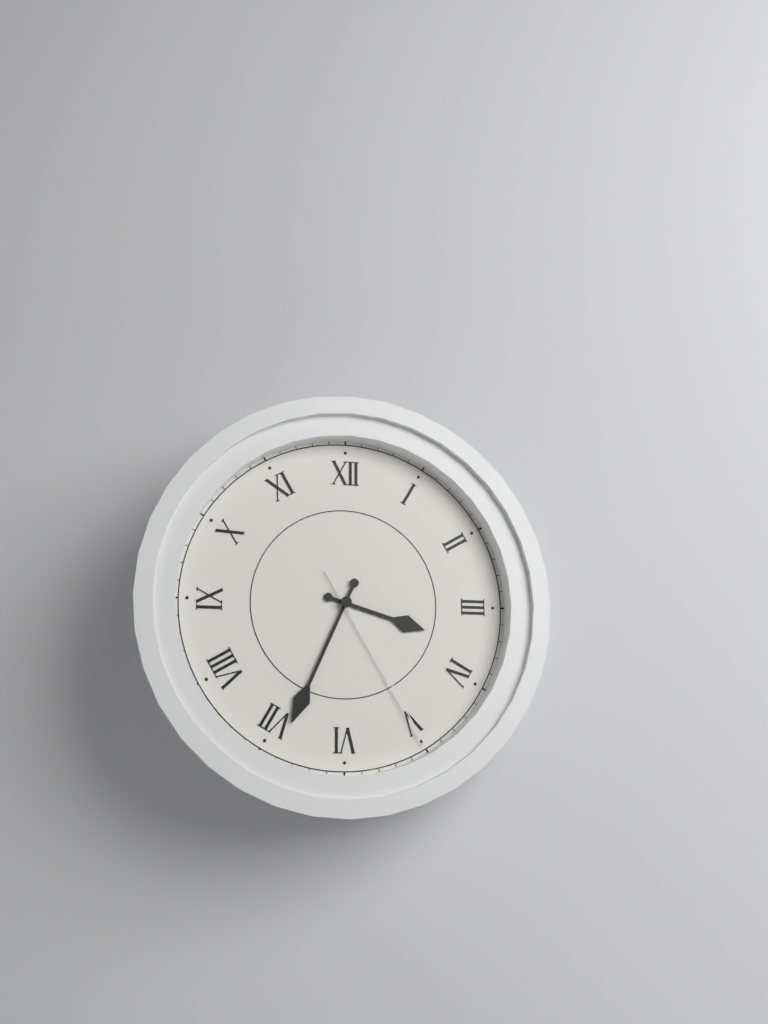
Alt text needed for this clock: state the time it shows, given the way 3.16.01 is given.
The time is 3.34.25
